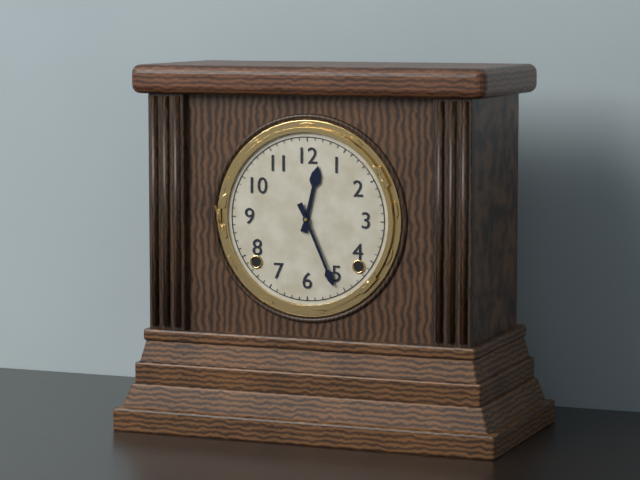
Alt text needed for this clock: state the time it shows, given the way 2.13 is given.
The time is 12.26
